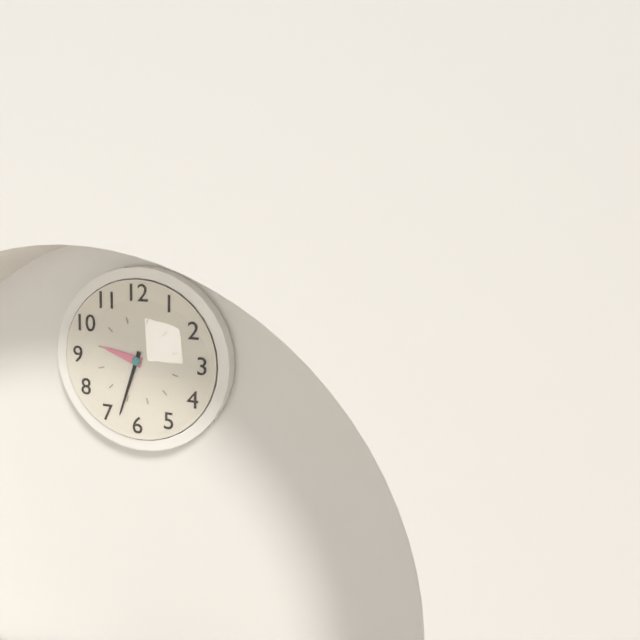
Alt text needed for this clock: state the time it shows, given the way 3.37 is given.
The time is 9.33
